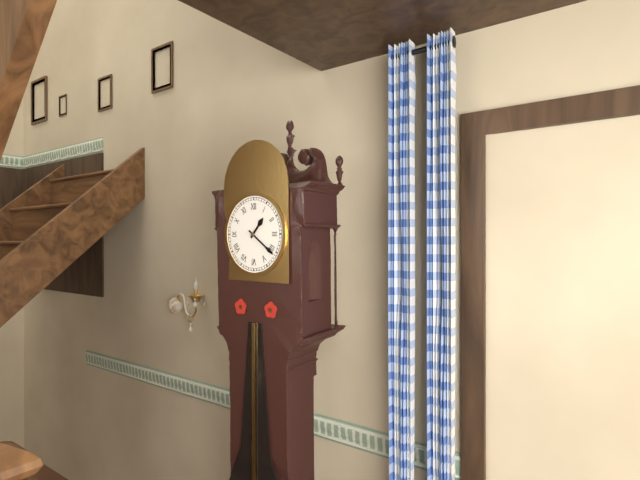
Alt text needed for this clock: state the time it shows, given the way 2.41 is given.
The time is 1.21
